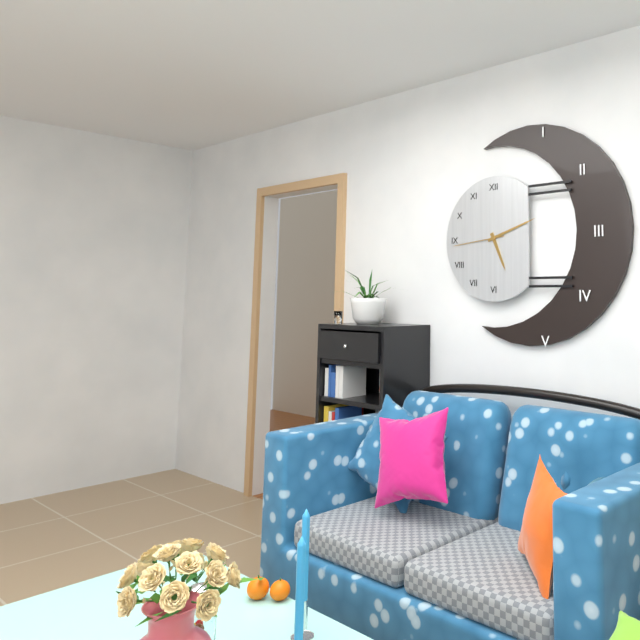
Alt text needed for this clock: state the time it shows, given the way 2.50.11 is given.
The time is 5.12.44
